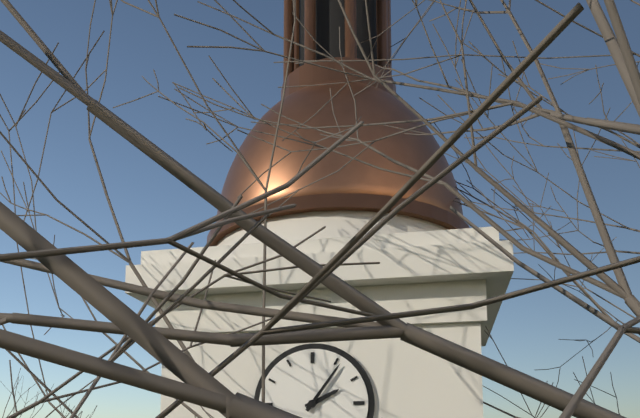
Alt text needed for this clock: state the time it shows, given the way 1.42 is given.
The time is 2.06
